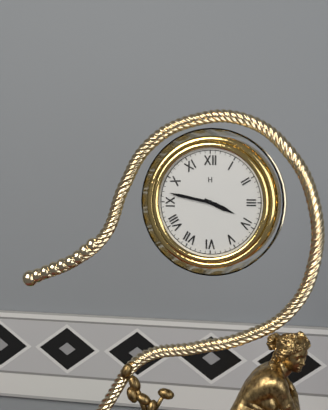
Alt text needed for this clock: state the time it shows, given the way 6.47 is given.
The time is 3.47
